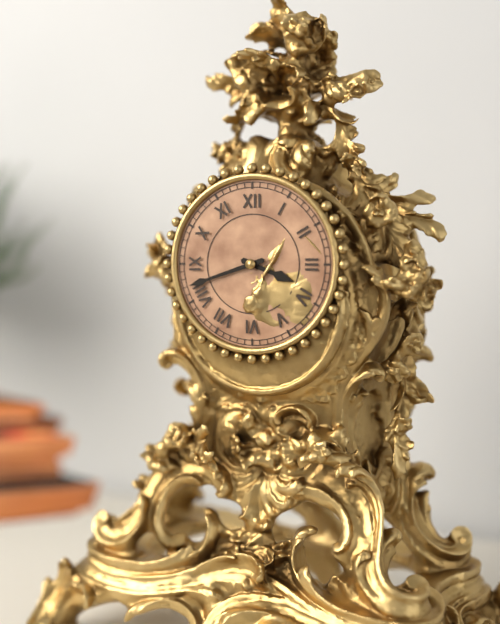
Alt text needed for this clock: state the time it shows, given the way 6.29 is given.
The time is 3.42
